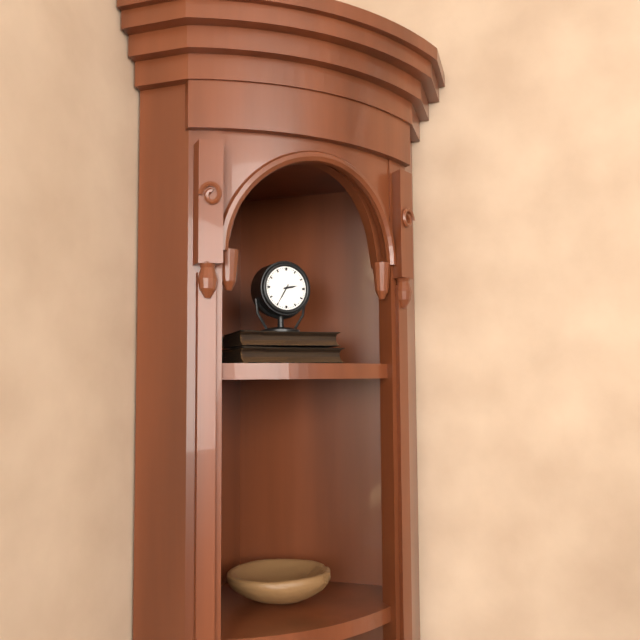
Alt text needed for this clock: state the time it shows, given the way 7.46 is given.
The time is 2.35
